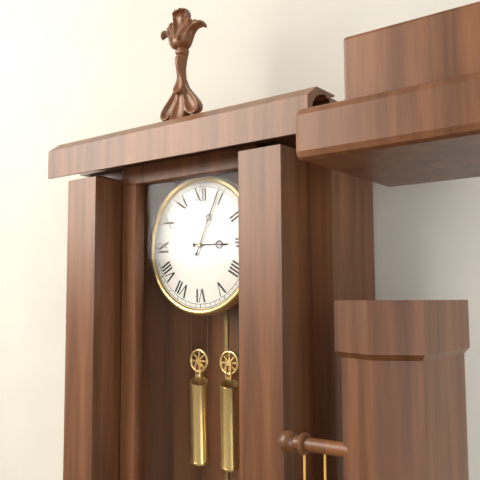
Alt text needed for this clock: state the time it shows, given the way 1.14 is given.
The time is 3.04
